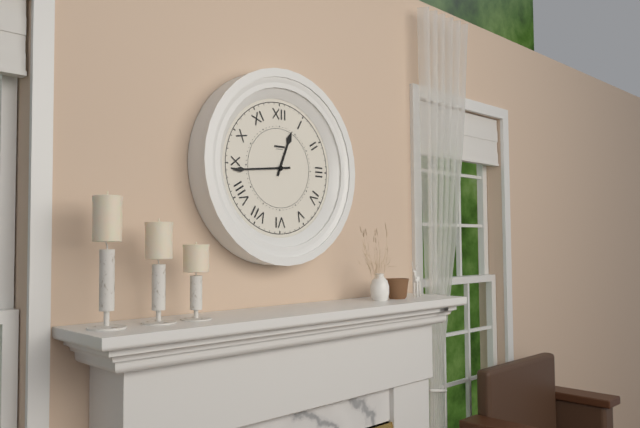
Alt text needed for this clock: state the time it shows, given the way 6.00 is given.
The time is 12.44
